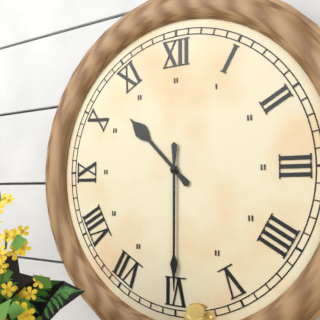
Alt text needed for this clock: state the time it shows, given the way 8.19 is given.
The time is 10.30
